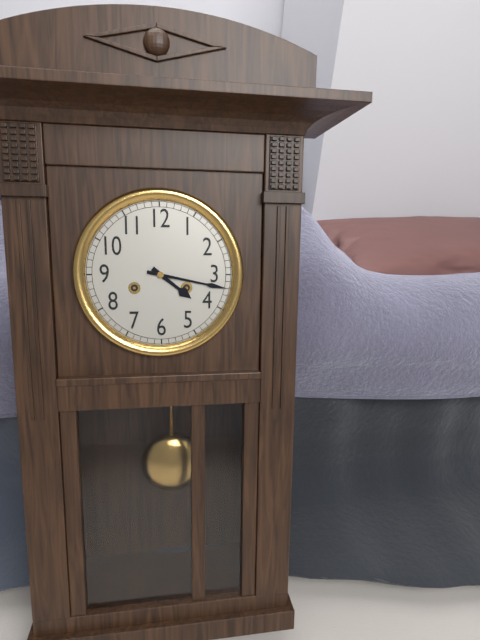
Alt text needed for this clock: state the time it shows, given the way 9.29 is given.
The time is 4.17
